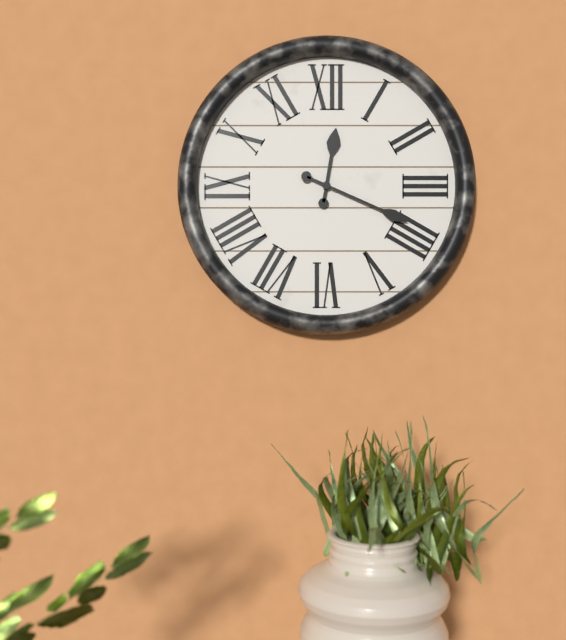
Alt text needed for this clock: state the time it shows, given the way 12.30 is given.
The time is 12.19
